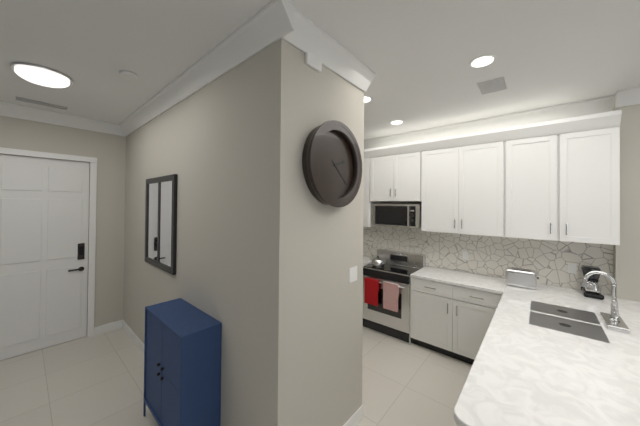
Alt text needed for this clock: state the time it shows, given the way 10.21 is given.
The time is 2.22
